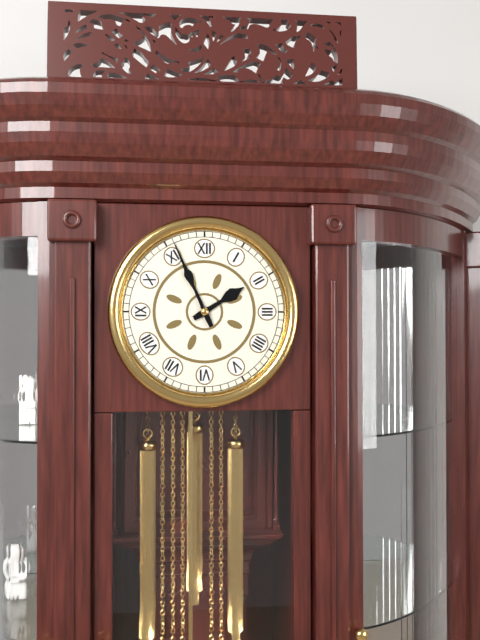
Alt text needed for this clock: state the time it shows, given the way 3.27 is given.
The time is 1.56
